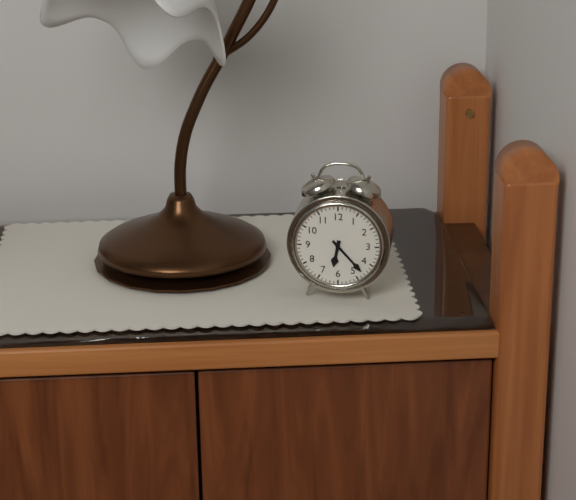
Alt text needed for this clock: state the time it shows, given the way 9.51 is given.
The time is 6.23
